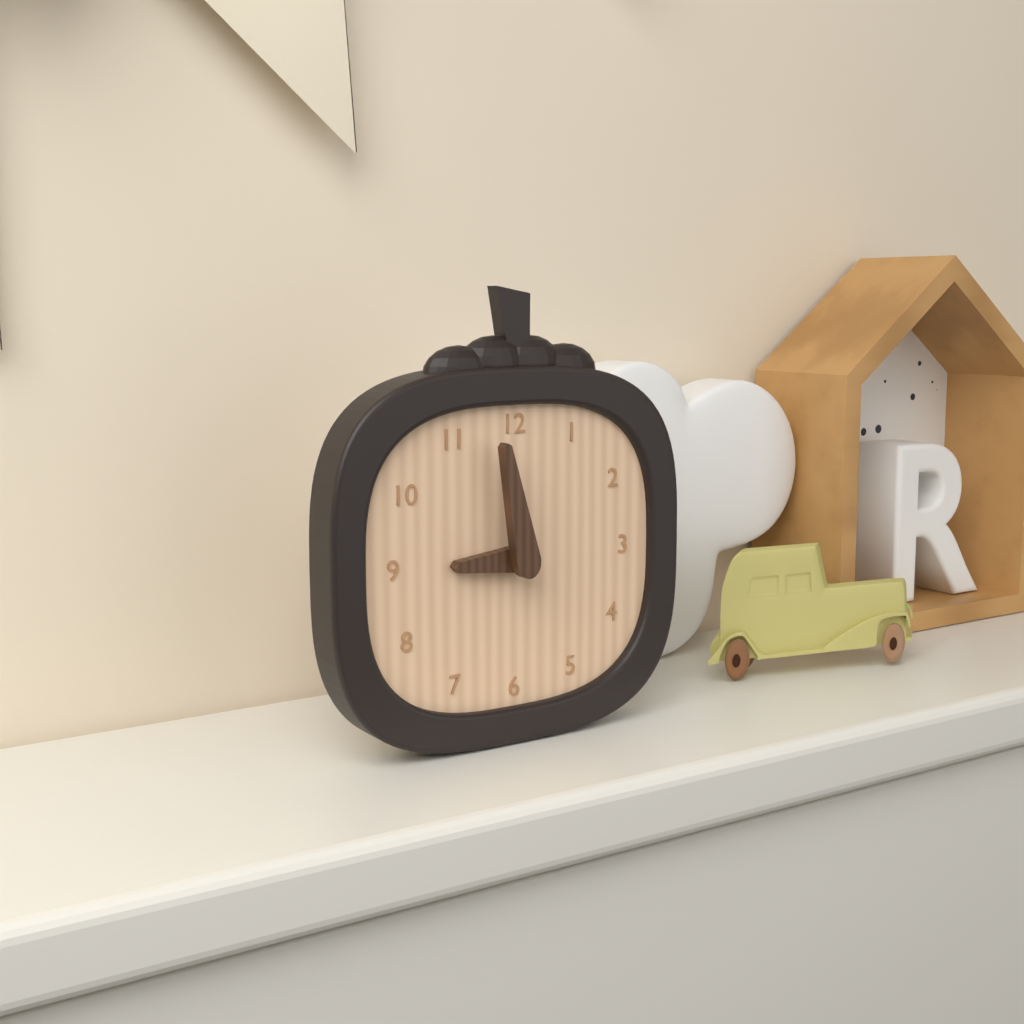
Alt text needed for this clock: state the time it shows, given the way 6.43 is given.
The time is 8.58
